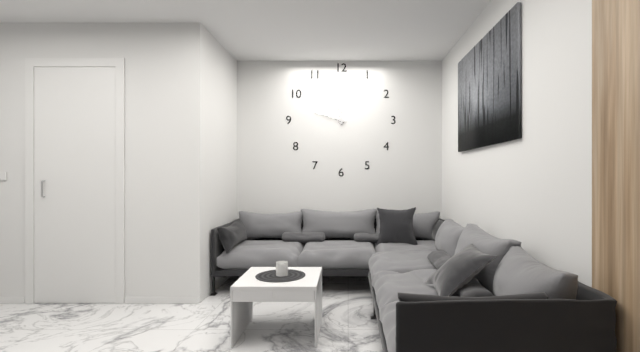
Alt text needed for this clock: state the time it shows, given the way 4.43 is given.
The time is 11.48
